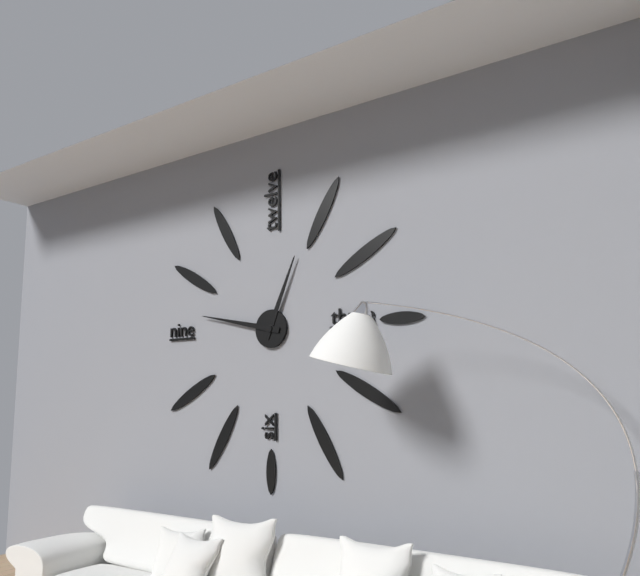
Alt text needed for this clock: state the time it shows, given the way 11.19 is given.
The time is 12.47
